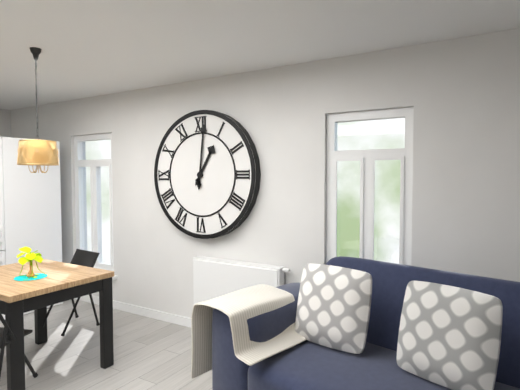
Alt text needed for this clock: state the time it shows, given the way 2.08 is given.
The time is 1.01
